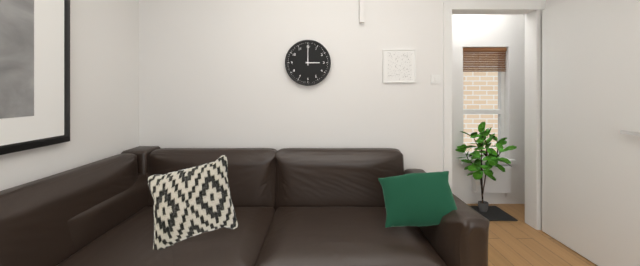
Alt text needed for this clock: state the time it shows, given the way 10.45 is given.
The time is 3.00
